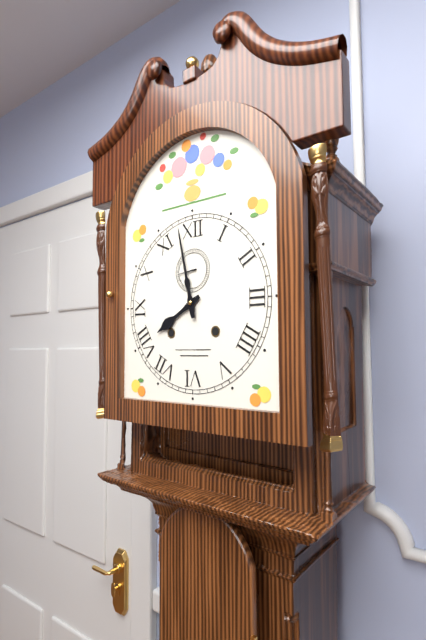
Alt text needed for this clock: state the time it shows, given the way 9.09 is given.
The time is 7.58
